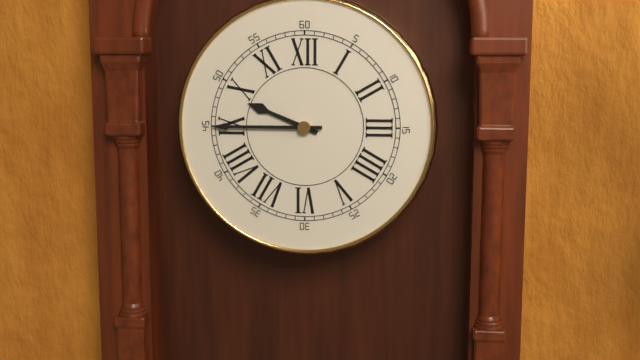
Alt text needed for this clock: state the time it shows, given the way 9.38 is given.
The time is 9.45
